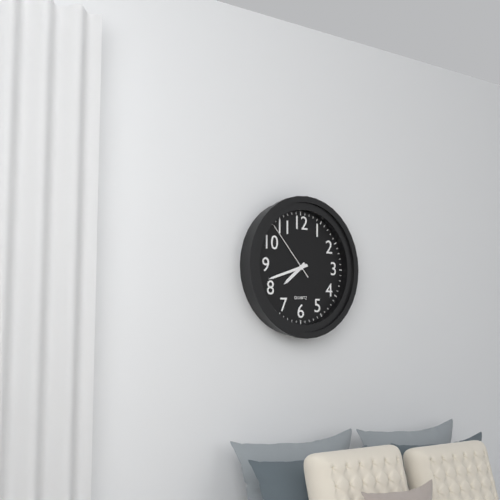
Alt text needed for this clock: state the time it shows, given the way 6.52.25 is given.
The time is 7.42.53
